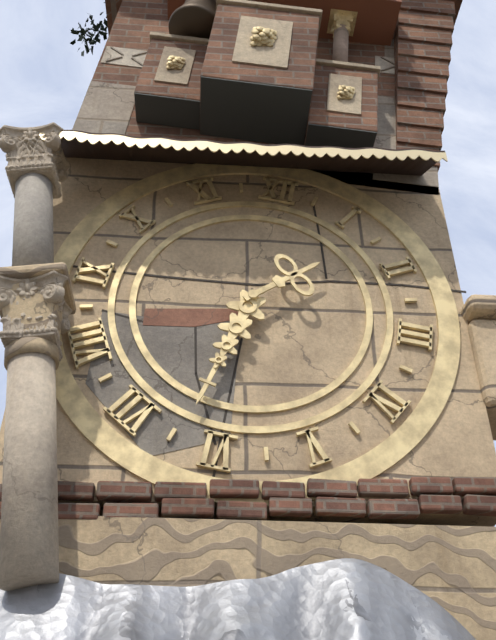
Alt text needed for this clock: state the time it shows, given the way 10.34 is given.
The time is 1.32
